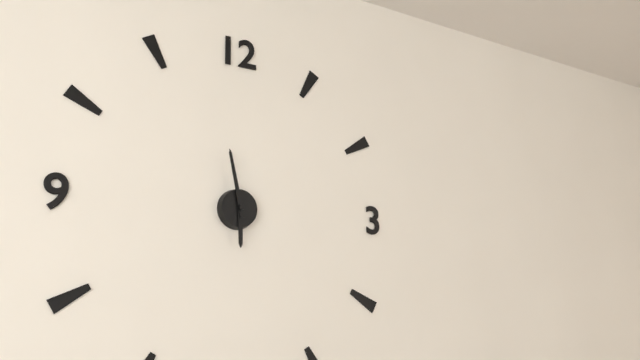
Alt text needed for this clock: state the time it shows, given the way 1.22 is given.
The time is 5.58
